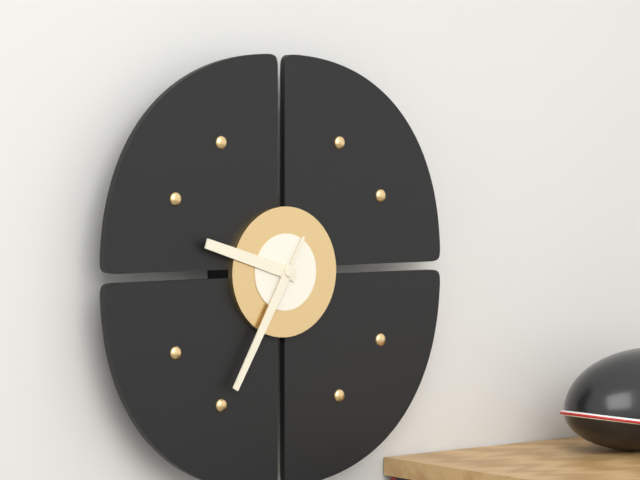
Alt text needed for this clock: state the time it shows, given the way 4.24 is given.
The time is 9.35
